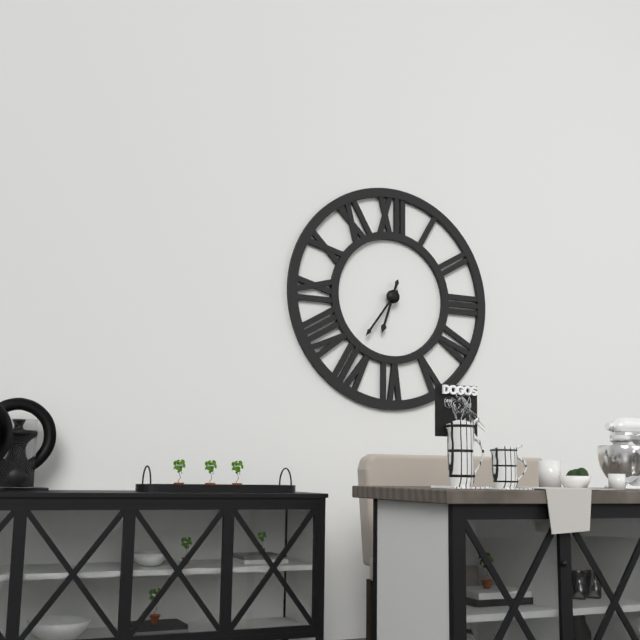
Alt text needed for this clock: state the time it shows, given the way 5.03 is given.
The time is 6.36
